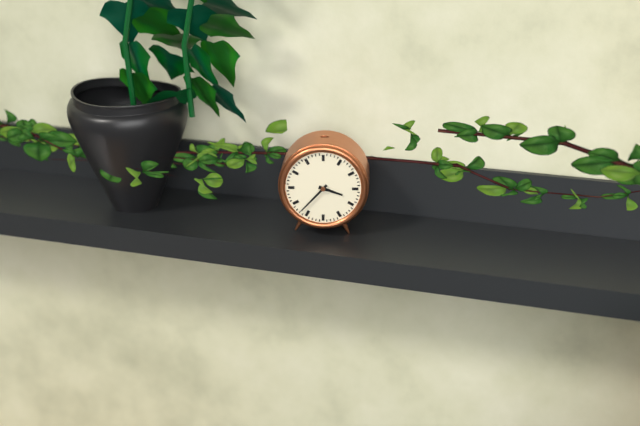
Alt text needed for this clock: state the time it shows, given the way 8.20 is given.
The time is 3.37
